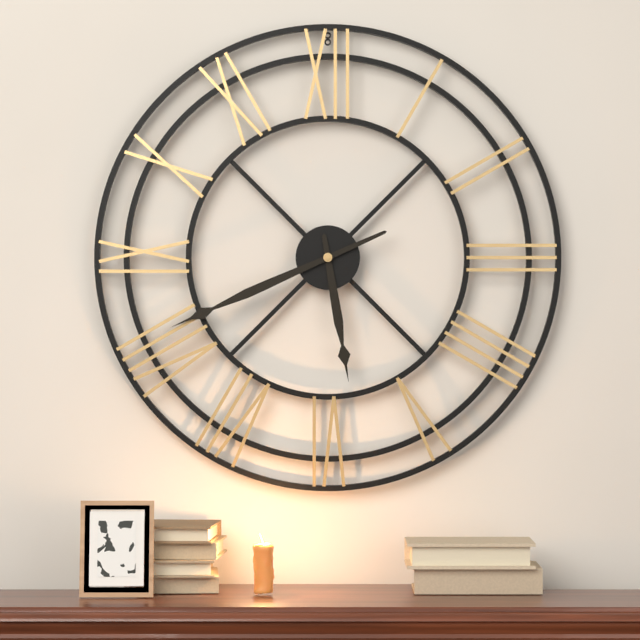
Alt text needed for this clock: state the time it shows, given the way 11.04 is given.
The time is 5.41
